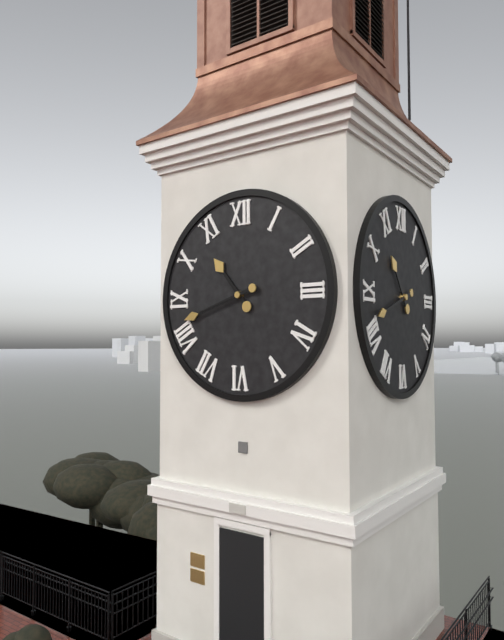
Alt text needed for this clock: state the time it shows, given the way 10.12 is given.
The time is 10.42
